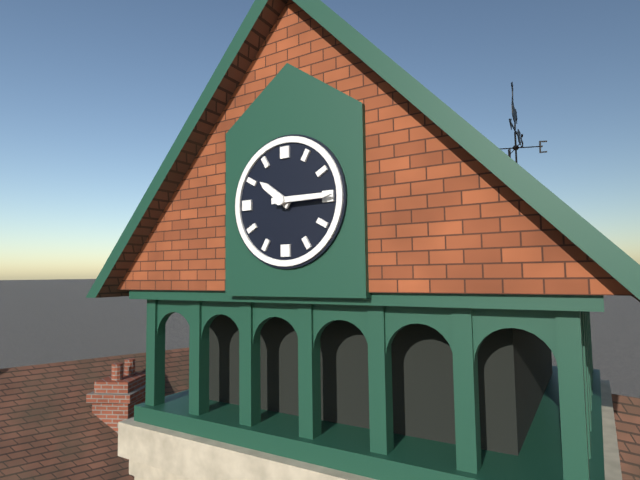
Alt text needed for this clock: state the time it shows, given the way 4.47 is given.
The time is 10.15
